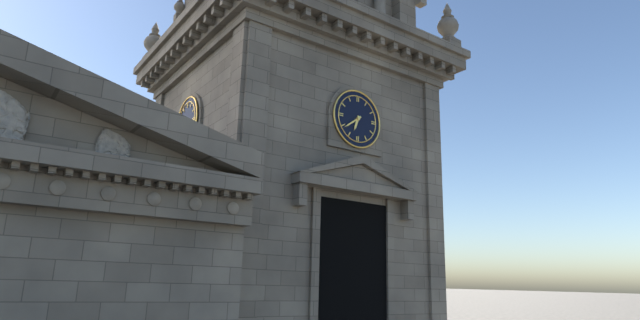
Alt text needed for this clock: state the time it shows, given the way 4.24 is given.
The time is 6.39
